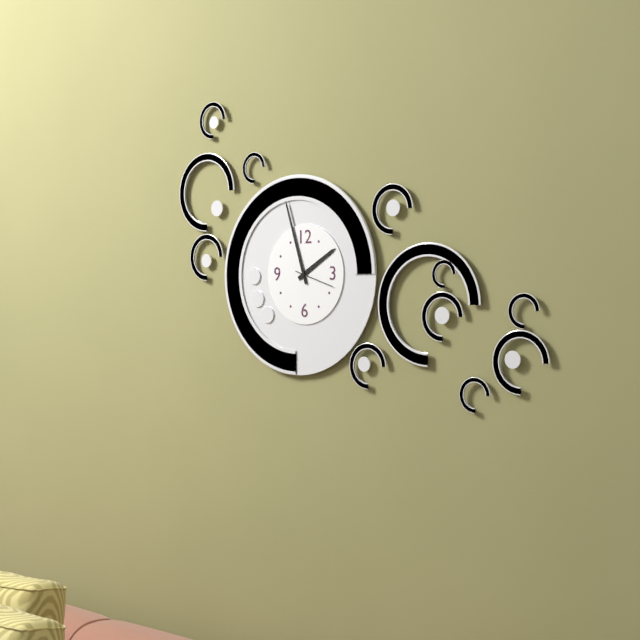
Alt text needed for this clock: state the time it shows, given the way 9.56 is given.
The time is 1.57
